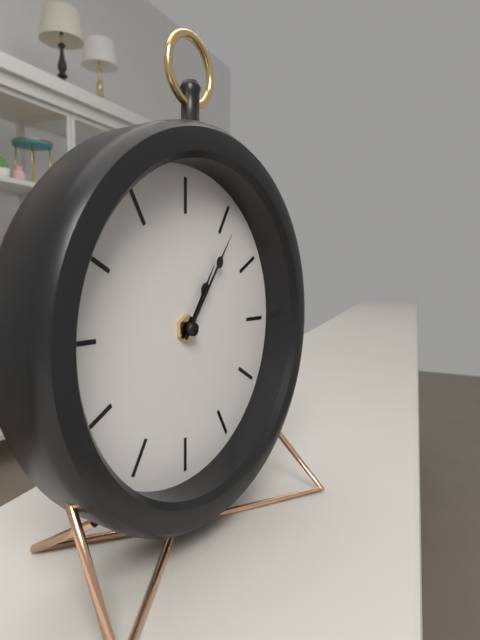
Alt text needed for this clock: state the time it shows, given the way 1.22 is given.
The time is 1.06
